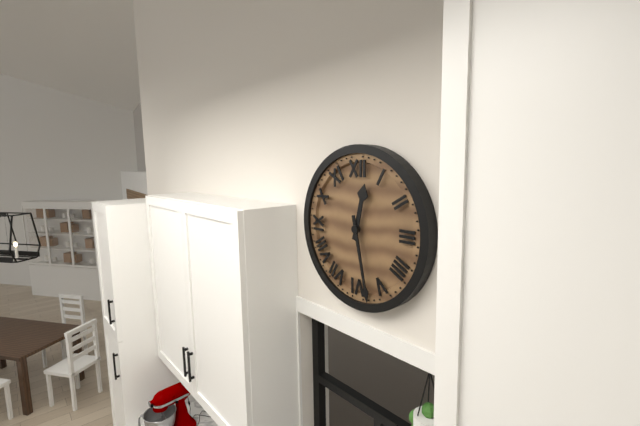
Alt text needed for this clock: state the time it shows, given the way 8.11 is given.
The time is 12.28
